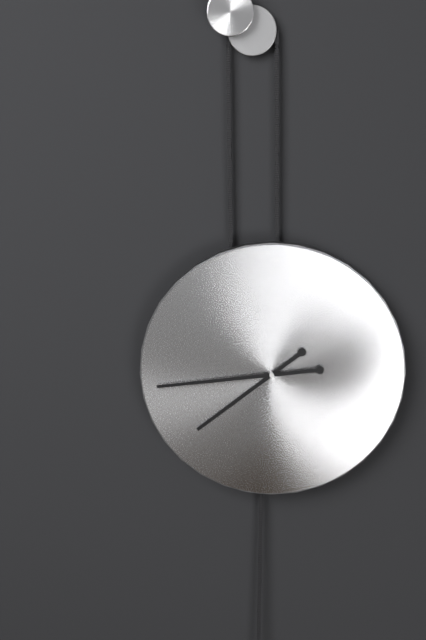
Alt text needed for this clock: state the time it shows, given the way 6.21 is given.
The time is 7.44
